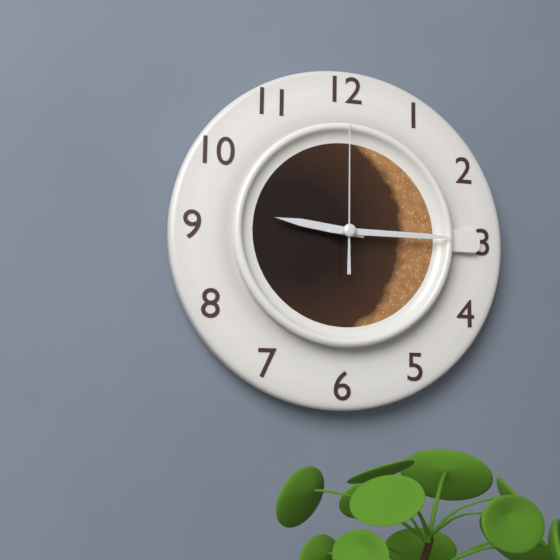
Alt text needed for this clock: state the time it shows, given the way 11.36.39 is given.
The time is 9.15.00
